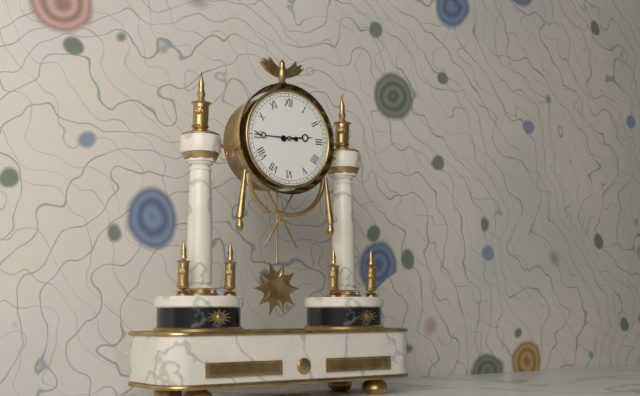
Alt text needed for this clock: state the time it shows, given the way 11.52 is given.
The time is 2.45
